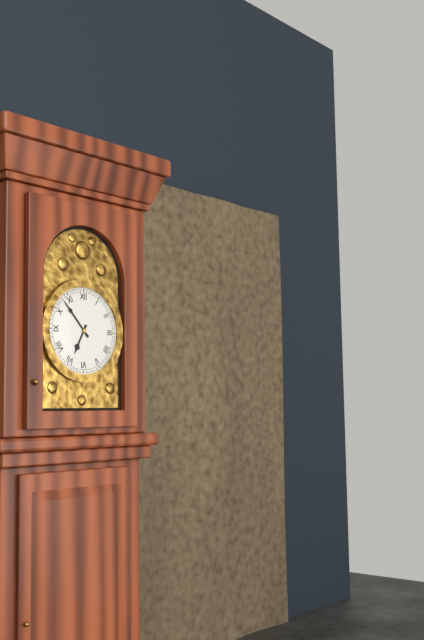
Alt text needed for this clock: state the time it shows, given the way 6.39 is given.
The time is 6.53
